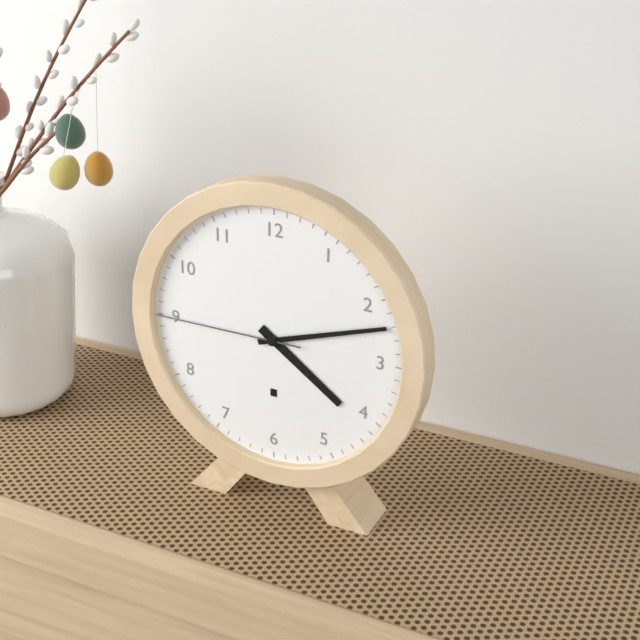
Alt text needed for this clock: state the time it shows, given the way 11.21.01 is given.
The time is 4.12.45
